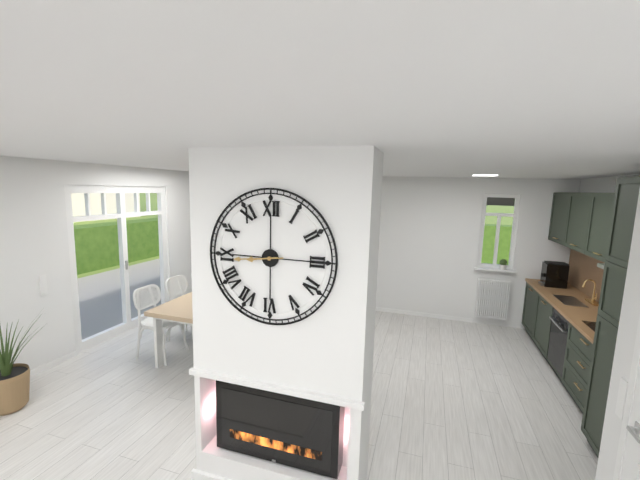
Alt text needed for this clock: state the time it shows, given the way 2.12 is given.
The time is 8.44
